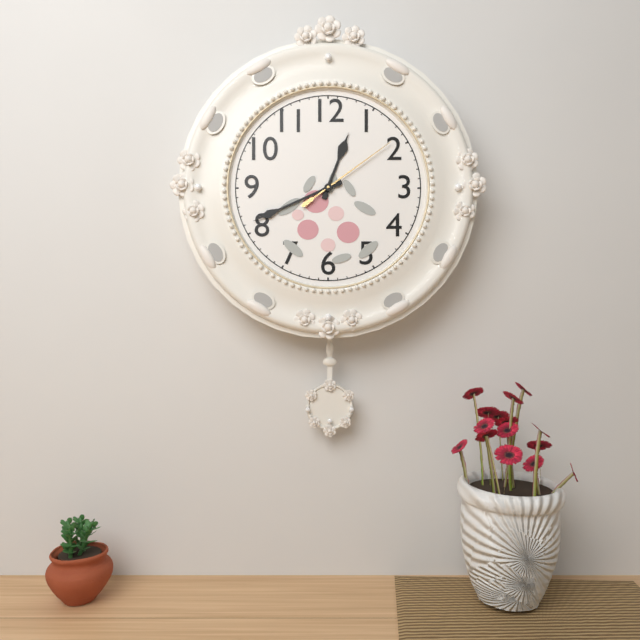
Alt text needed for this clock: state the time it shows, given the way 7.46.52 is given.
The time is 12.41.09
